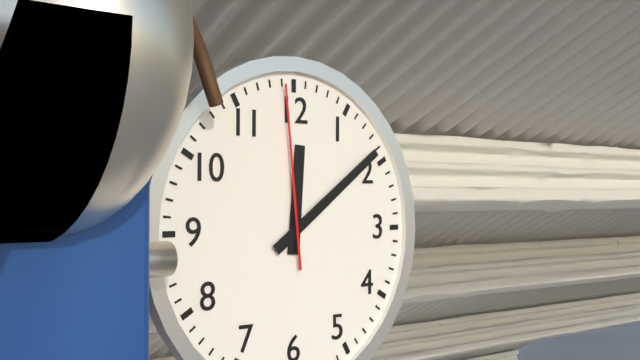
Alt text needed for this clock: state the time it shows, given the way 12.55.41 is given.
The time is 12.09.59
